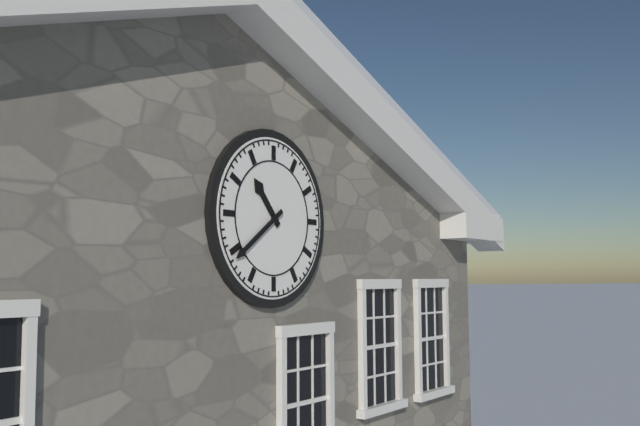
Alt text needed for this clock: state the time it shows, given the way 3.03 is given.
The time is 10.39
